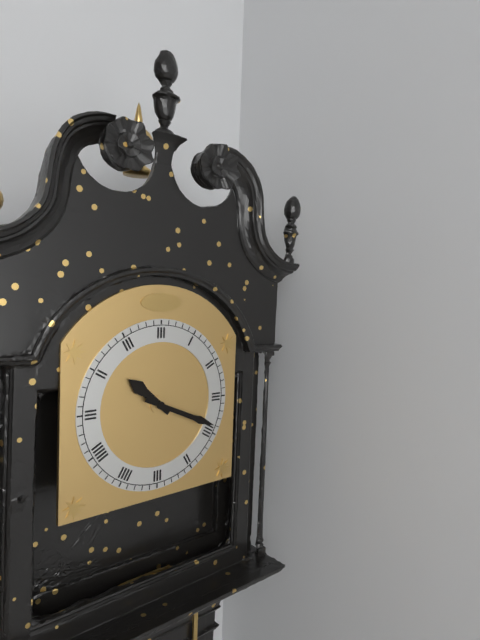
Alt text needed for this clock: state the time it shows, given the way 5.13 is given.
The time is 10.19
